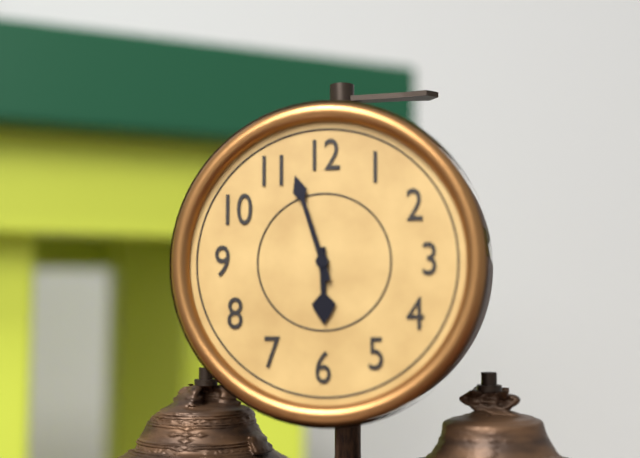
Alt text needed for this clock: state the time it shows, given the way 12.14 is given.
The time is 5.57
